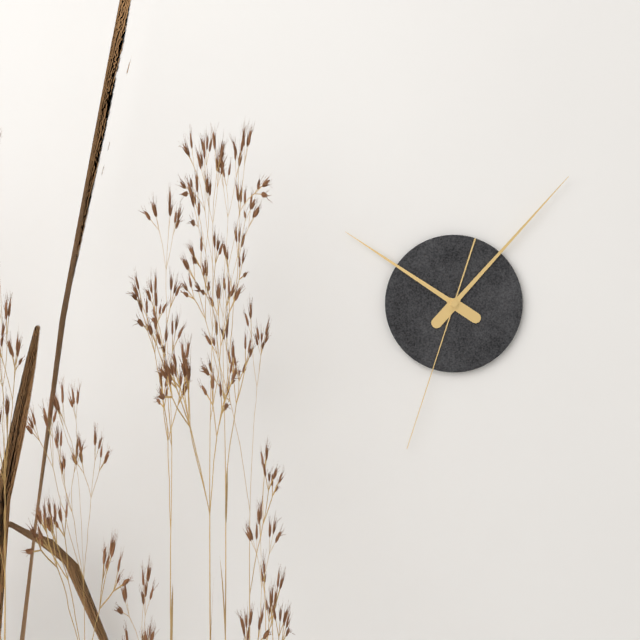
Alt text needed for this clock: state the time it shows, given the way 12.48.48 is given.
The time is 10.07.33
